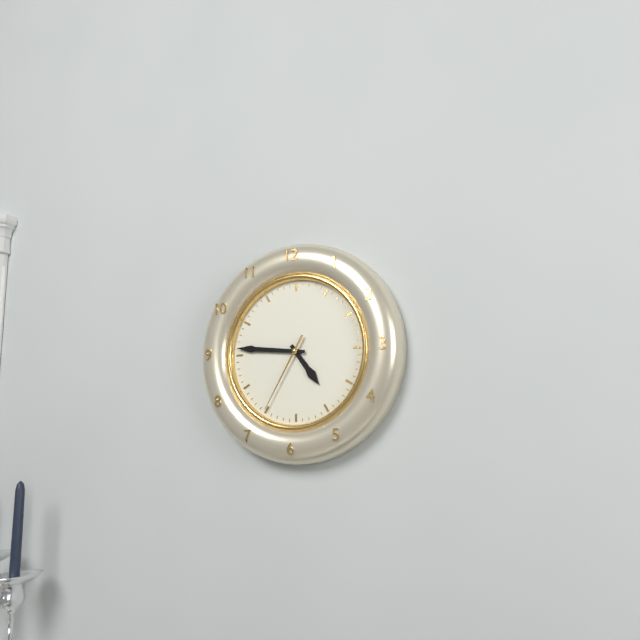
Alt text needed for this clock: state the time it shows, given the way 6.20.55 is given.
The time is 4.46.35
